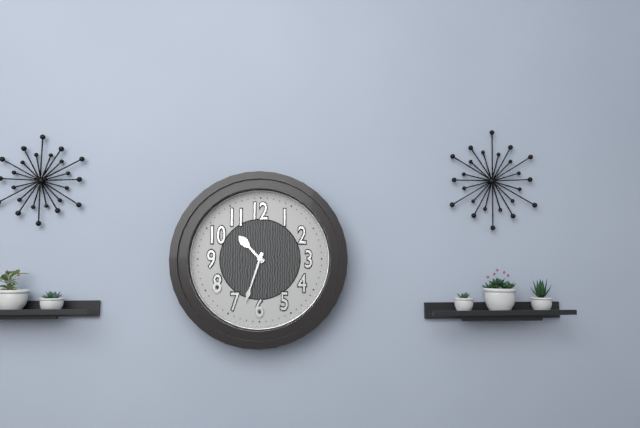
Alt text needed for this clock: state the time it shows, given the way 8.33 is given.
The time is 10.33
